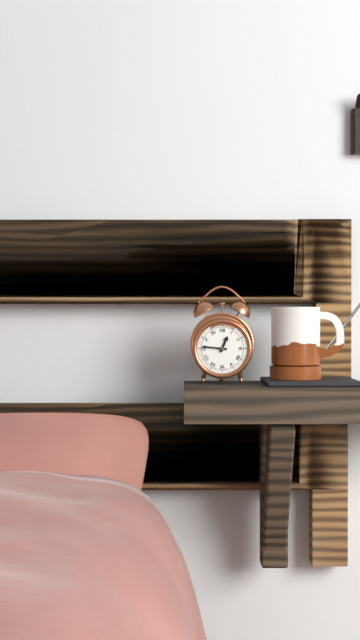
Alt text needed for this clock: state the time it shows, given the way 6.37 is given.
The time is 12.46
